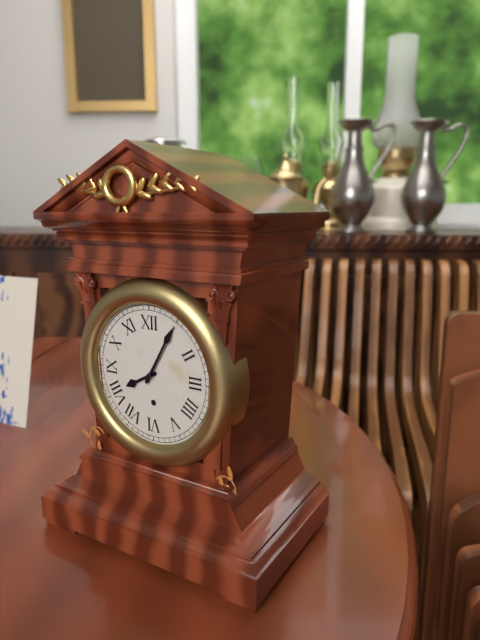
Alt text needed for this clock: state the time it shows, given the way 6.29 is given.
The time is 8.05
